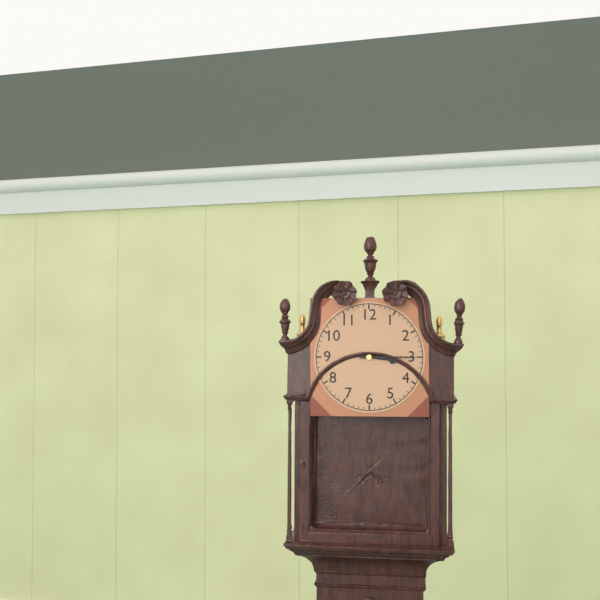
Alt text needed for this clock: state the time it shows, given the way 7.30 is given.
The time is 3.15
